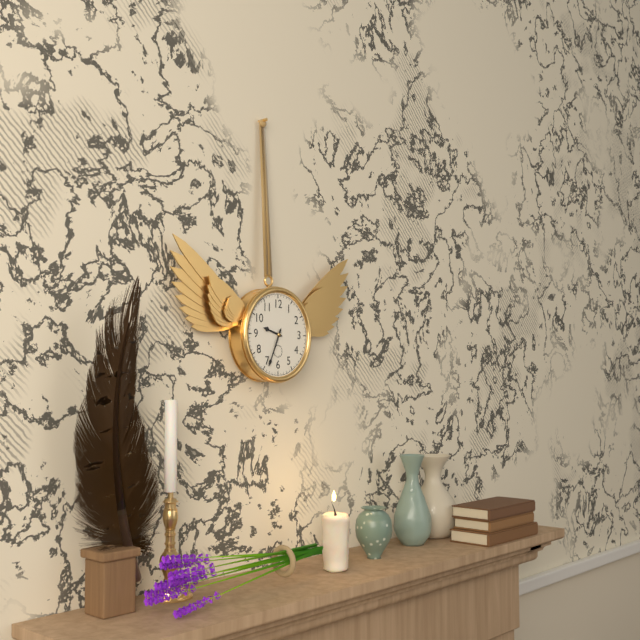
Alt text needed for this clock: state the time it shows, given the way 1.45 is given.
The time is 9.34
